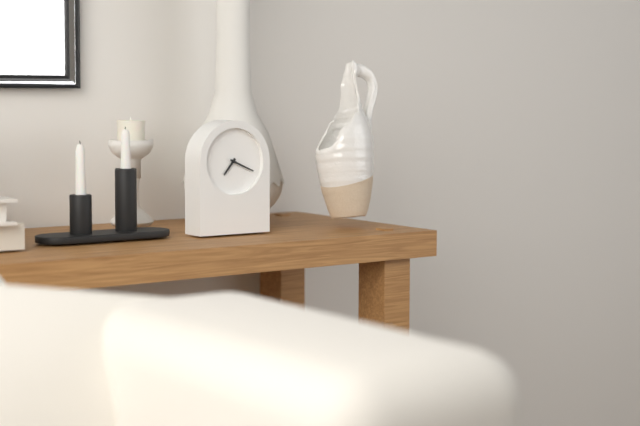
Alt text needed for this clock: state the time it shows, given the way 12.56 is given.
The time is 7.19
